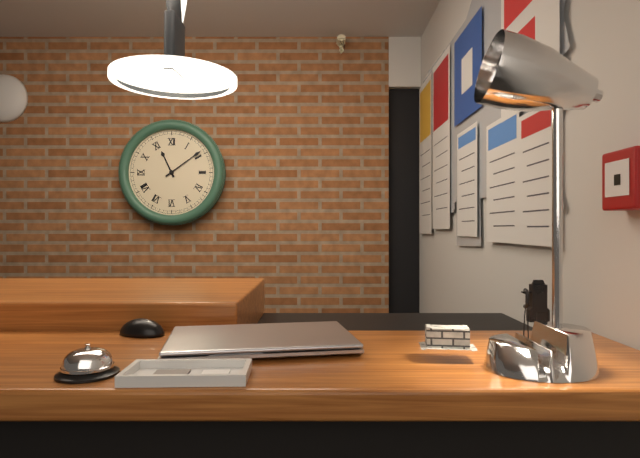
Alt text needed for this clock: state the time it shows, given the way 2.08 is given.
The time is 11.09
